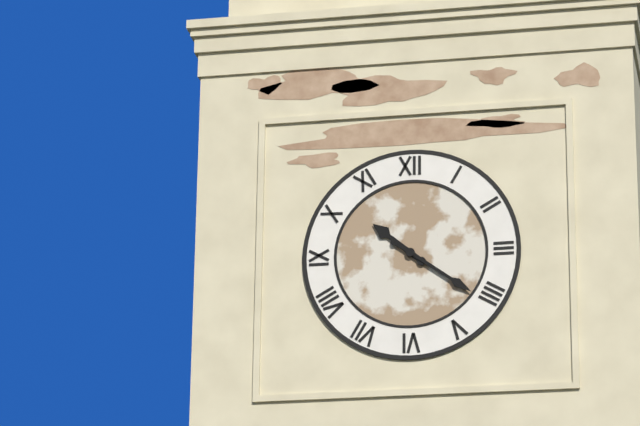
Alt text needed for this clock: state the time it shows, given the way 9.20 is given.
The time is 10.21
